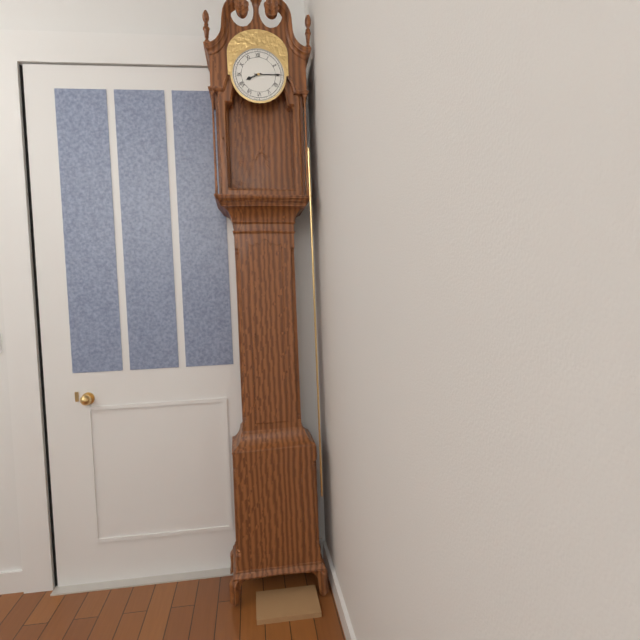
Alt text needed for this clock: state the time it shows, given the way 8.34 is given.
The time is 8.15
